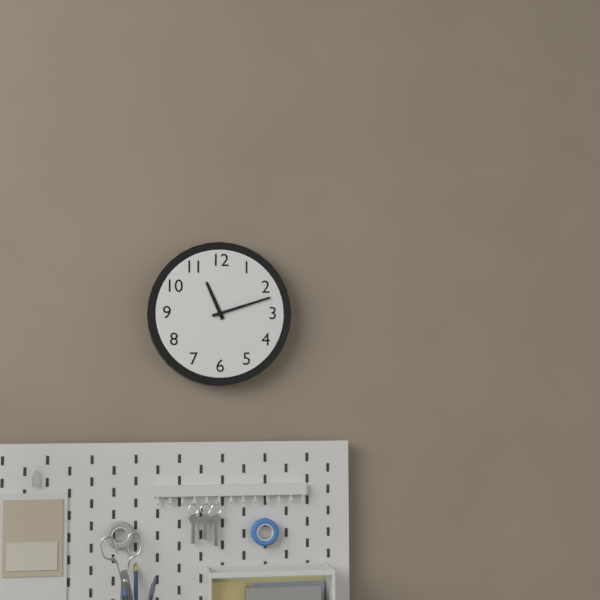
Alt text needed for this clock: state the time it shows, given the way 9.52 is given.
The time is 11.12
